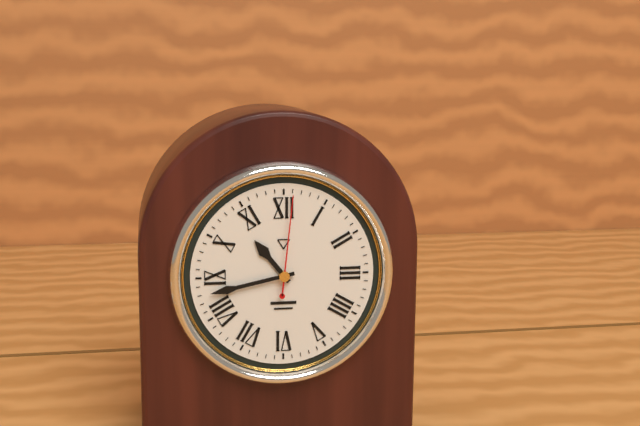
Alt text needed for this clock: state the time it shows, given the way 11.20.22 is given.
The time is 10.43.01
